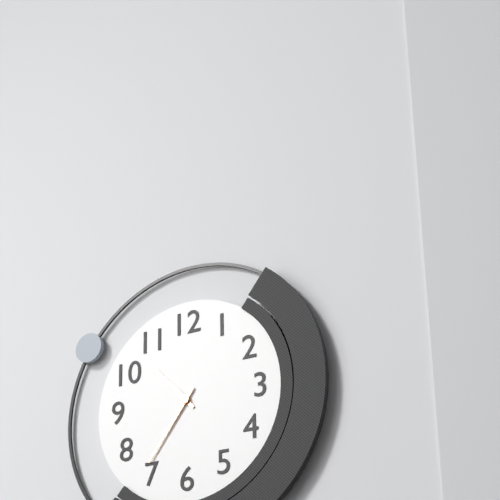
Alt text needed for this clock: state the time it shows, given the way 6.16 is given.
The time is 10.36
